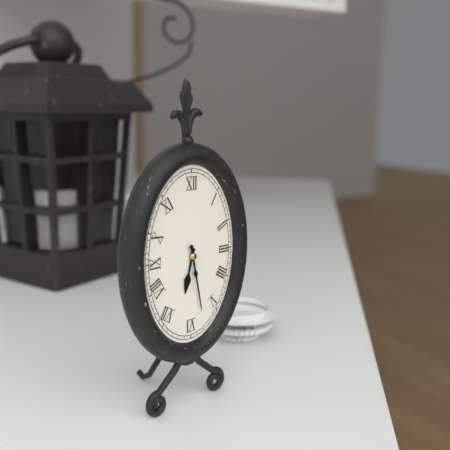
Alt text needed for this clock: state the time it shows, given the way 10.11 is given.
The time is 6.28
